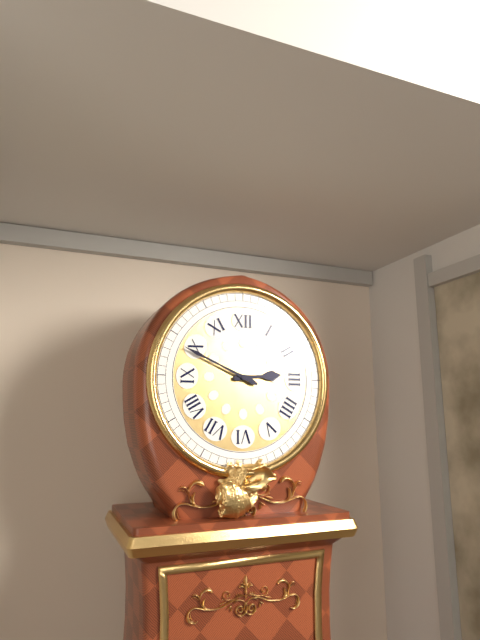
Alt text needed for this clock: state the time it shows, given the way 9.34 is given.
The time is 2.49
